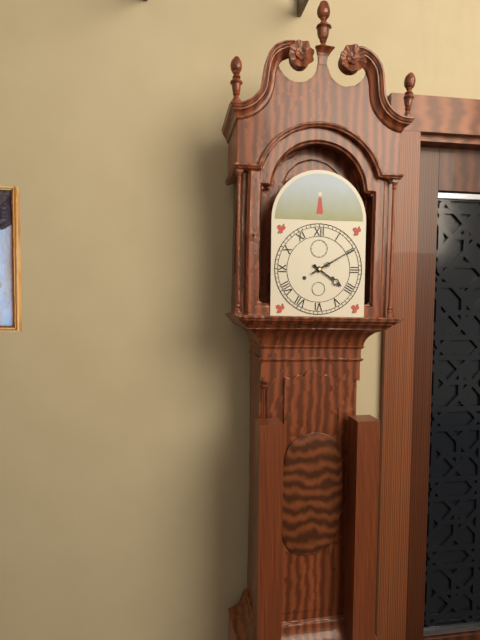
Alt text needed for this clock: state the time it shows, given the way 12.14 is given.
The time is 4.10
